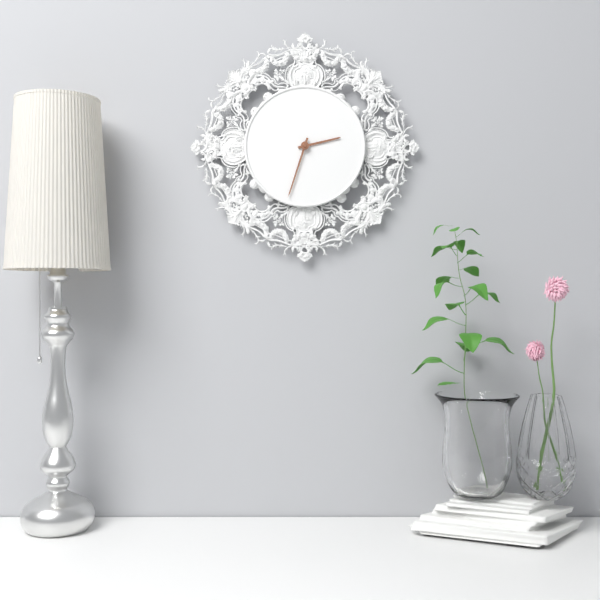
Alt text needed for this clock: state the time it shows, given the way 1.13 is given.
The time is 2.33
